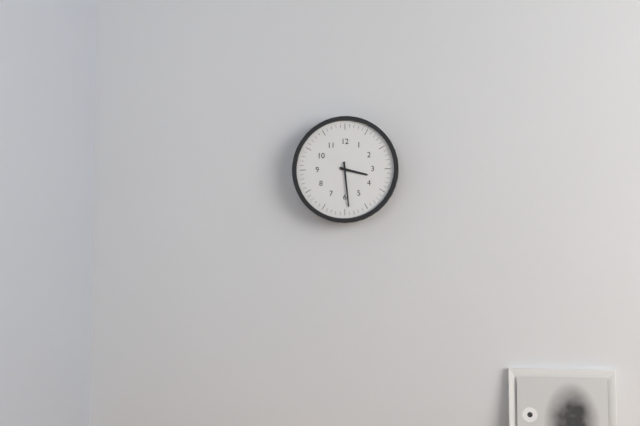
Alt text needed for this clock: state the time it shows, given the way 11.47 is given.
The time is 3.29
